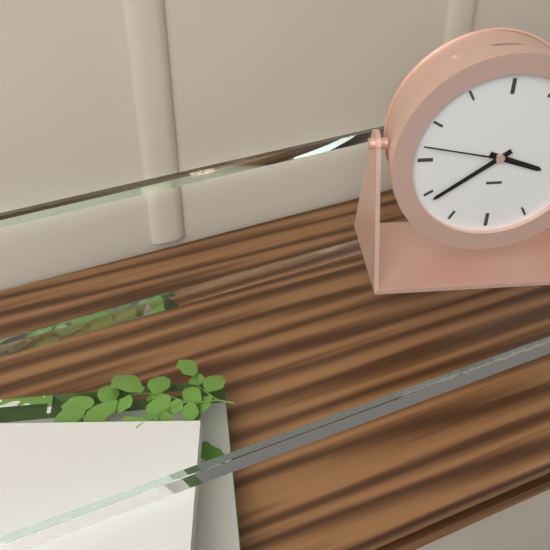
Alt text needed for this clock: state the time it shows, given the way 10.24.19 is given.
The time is 3.39.47
